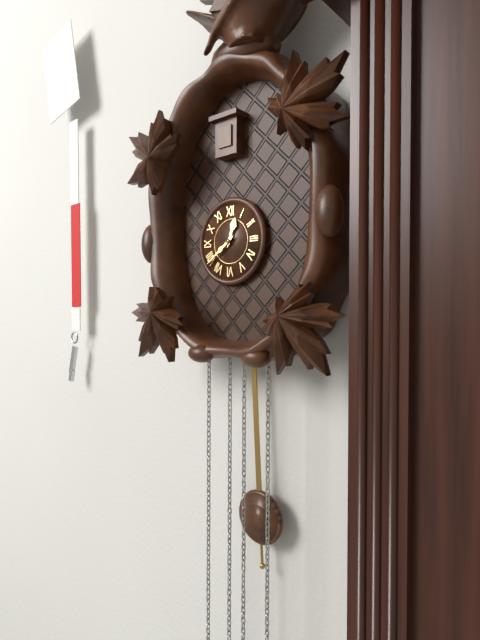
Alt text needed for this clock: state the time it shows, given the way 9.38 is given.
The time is 12.39
